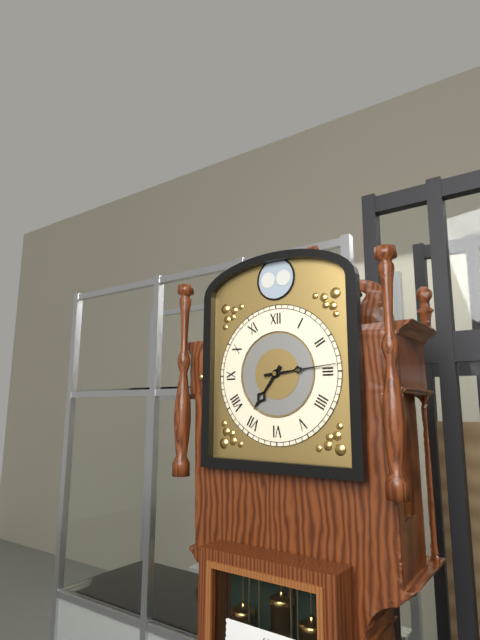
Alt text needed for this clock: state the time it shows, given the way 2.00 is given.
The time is 7.14
